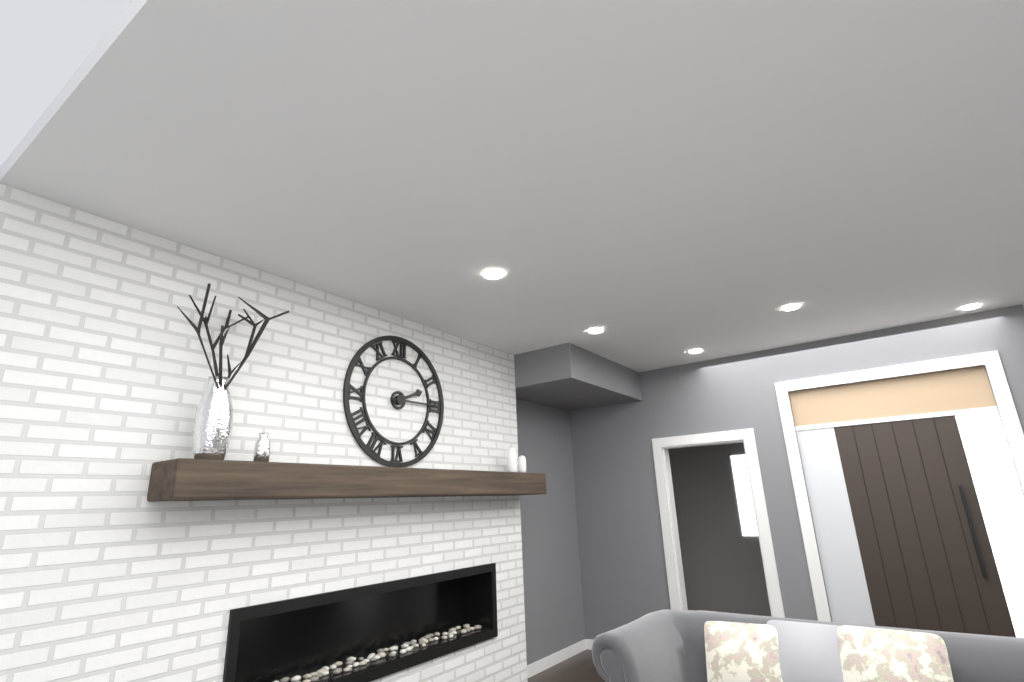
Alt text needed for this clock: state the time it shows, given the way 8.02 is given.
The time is 2.15
